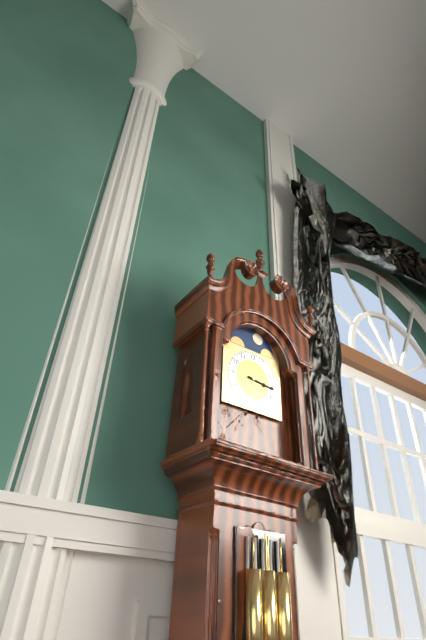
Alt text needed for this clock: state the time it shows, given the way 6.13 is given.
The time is 3.16
